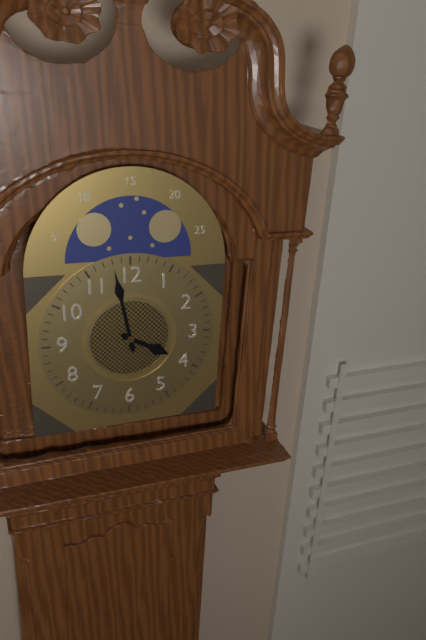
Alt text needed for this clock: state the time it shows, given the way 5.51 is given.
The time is 3.58
